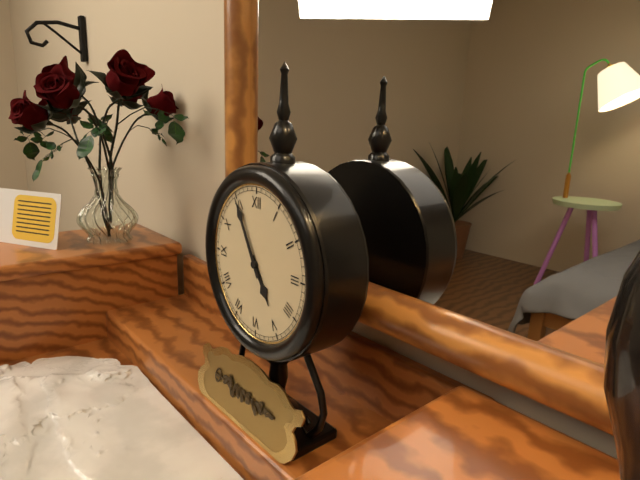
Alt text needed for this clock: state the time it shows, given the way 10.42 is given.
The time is 4.55
